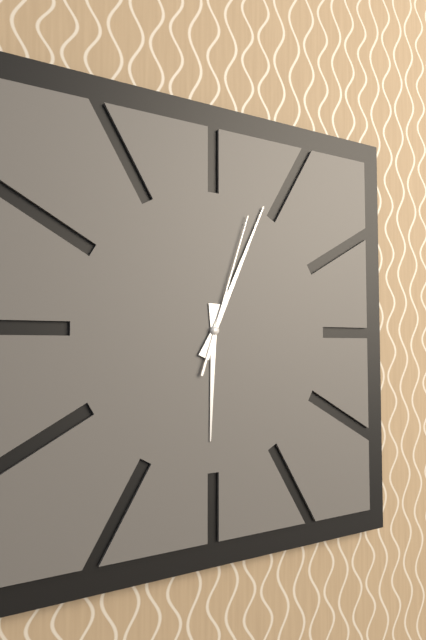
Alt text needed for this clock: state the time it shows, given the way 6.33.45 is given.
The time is 6.04.03
